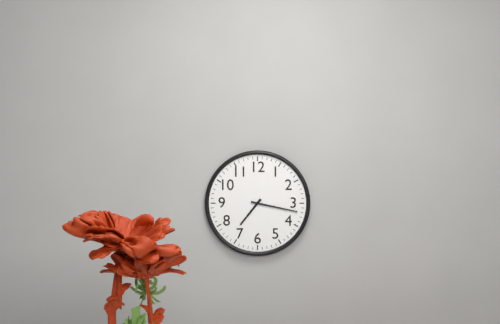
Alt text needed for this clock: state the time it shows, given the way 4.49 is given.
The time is 7.17
